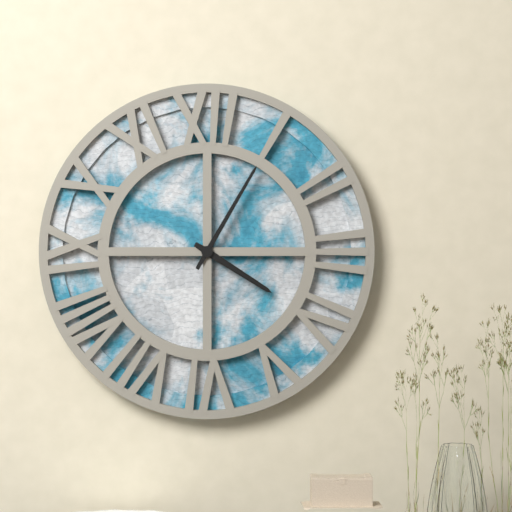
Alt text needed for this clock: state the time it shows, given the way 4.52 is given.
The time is 4.05
